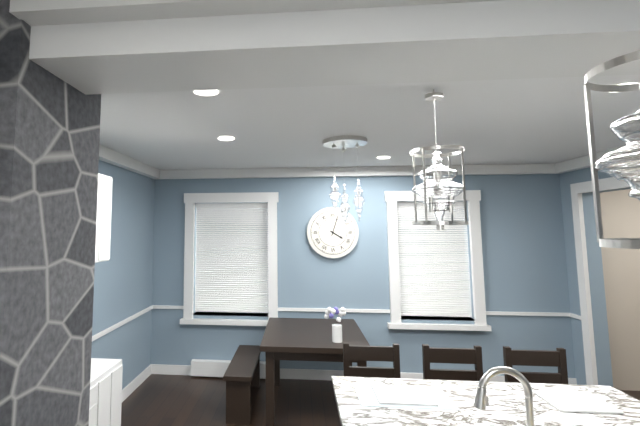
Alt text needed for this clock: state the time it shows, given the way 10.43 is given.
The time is 4.03
